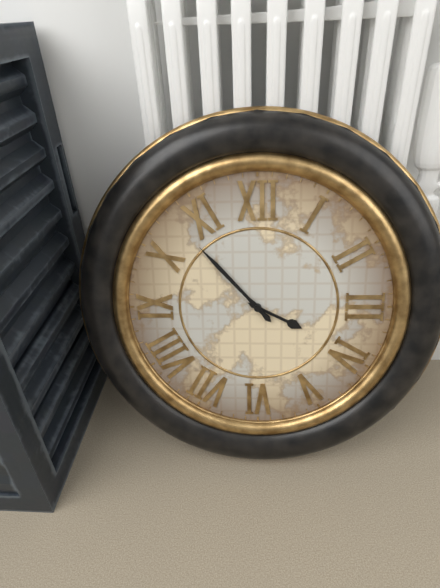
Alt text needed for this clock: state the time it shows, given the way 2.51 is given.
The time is 3.53
